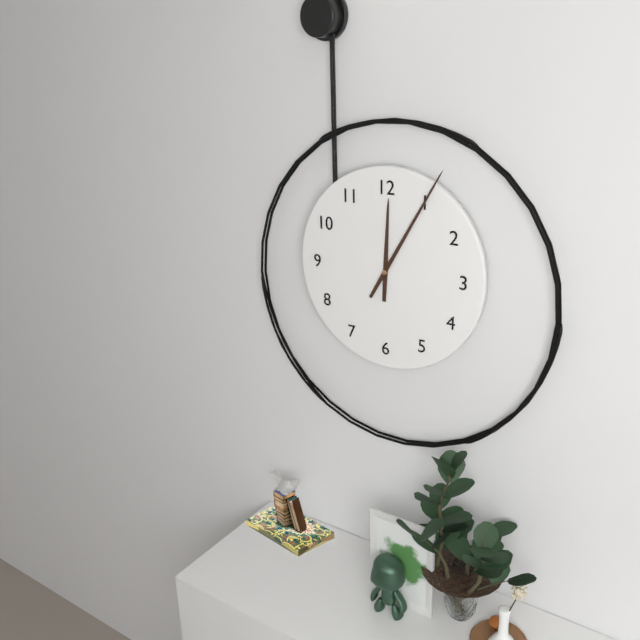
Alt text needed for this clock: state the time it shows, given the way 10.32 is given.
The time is 12.05
